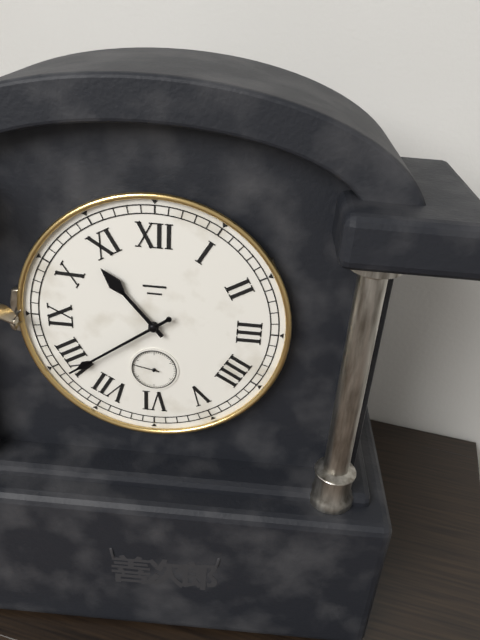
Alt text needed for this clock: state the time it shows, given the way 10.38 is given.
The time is 10.39
